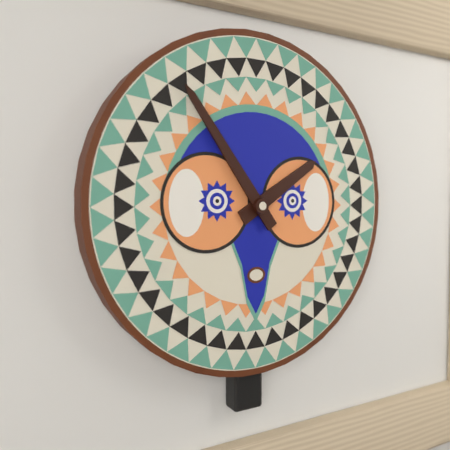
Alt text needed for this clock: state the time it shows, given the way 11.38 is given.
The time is 1.54
